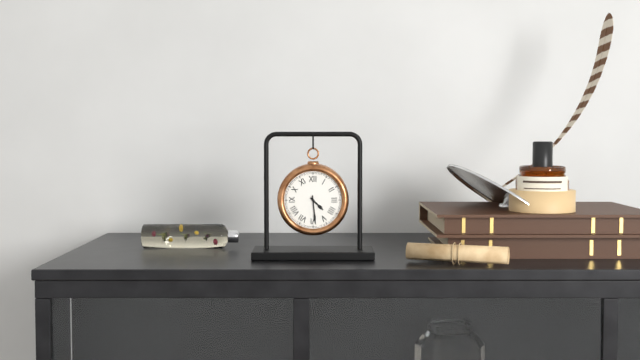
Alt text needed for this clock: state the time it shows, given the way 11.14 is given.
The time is 4.29
